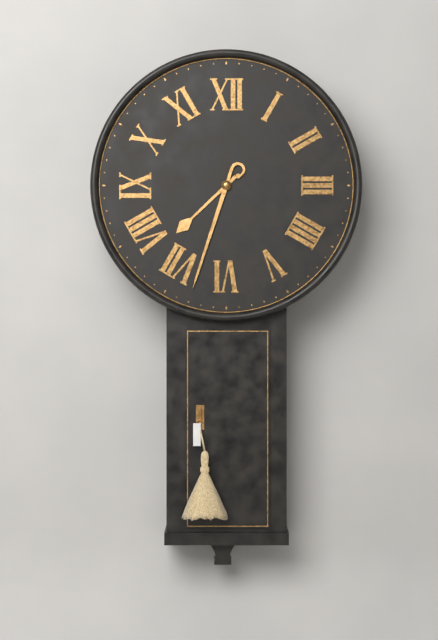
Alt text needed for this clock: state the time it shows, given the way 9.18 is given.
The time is 7.33
